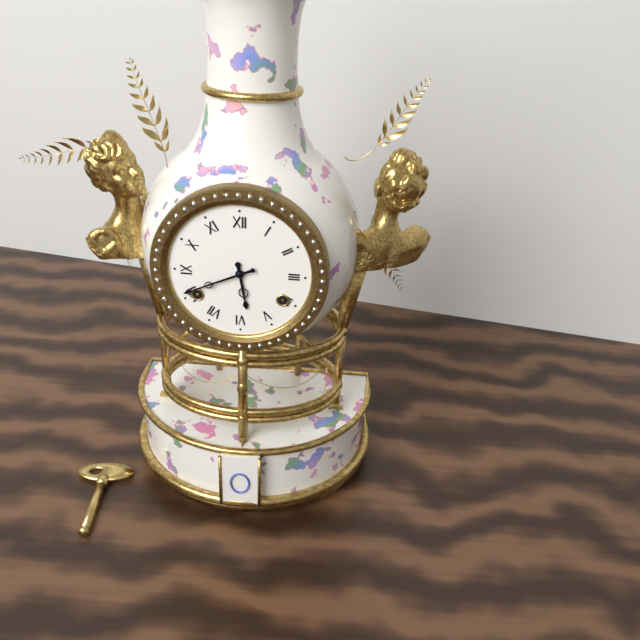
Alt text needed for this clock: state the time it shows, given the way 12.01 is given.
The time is 5.41
